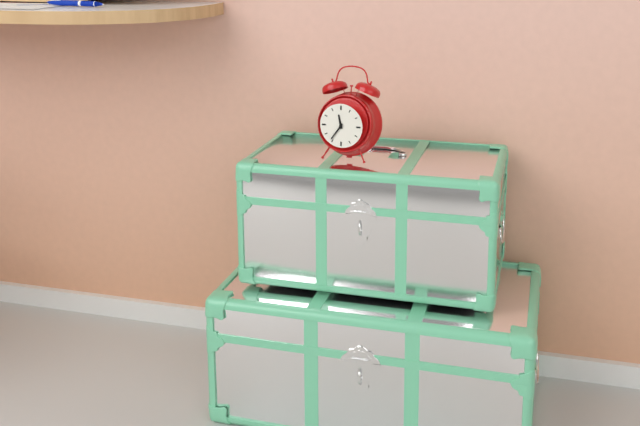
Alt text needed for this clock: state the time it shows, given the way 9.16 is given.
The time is 11.36
